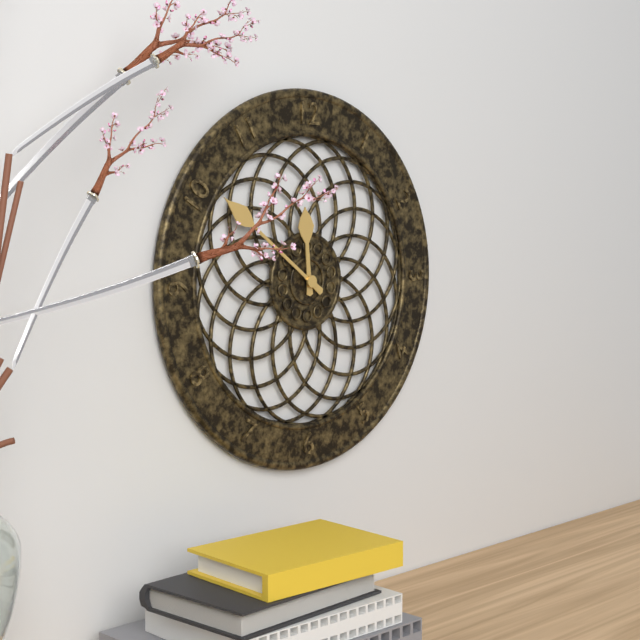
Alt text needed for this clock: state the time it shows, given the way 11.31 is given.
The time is 11.51
